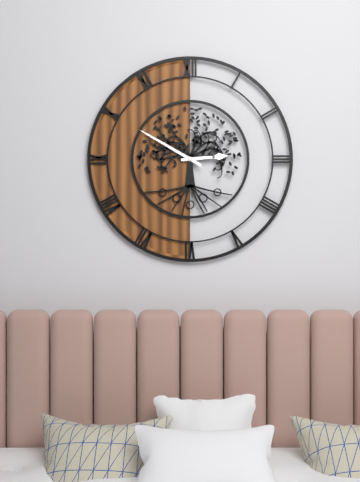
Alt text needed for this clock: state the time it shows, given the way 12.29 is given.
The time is 2.50
